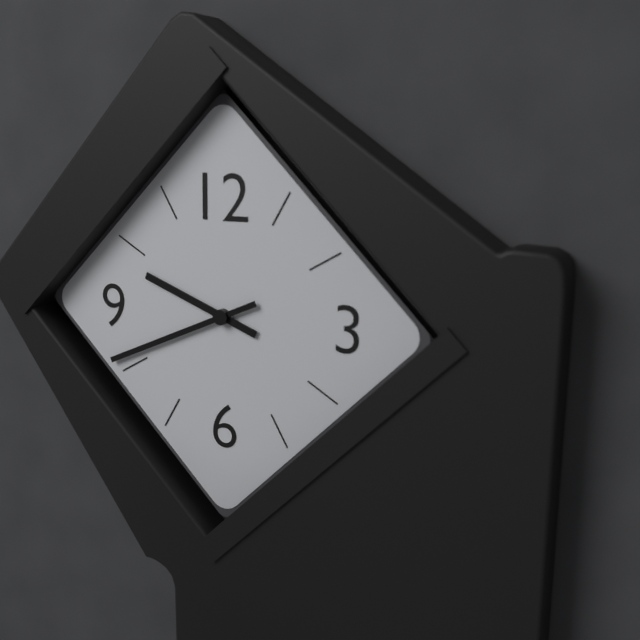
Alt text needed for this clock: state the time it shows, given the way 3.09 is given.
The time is 9.41
